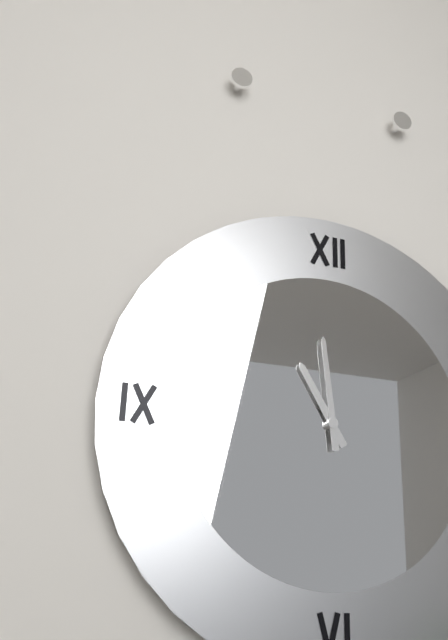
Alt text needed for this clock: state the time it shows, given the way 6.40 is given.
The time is 10.59
